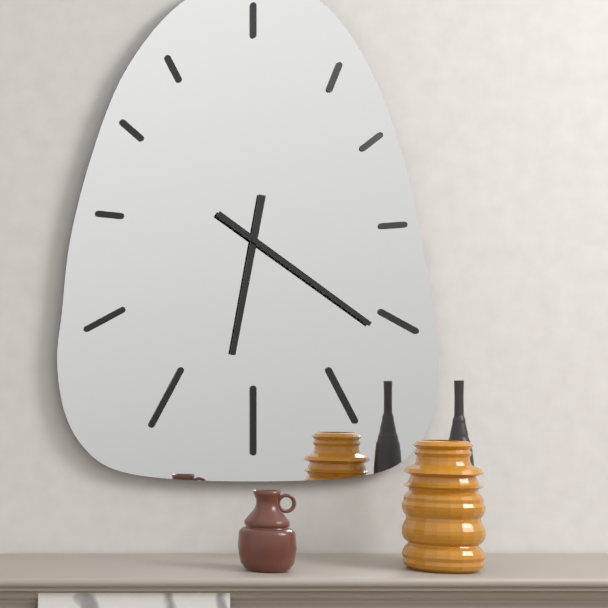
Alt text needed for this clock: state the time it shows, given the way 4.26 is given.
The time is 6.21
